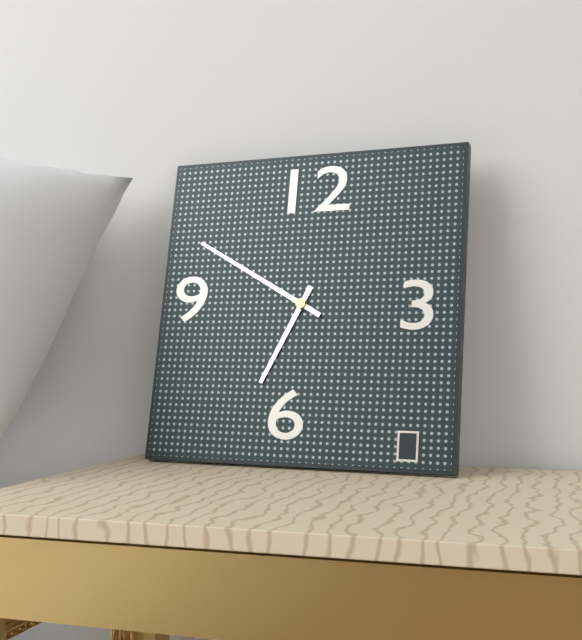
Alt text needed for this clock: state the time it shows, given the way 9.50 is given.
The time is 6.50
